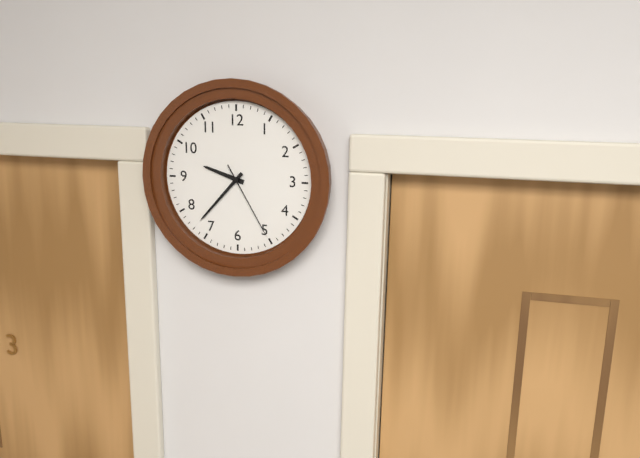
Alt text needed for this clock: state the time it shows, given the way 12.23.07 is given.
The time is 9.37.25
